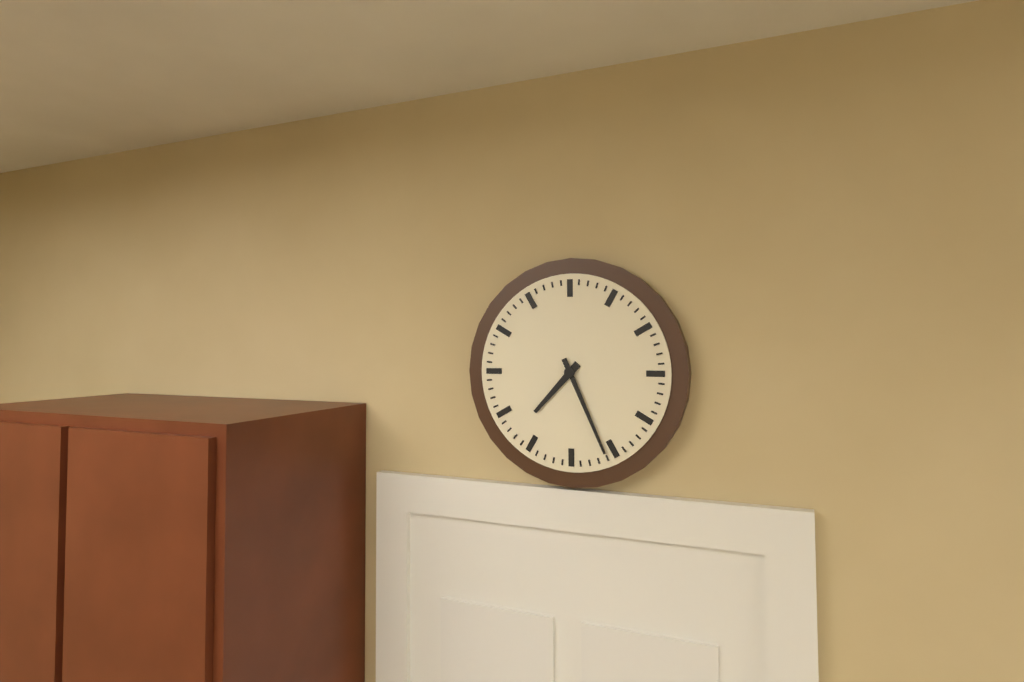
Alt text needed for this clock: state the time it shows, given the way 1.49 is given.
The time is 7.26
